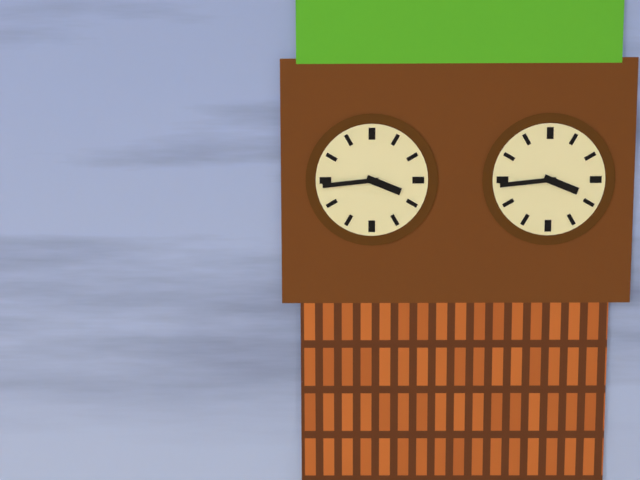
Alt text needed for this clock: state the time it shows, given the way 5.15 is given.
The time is 3.44
